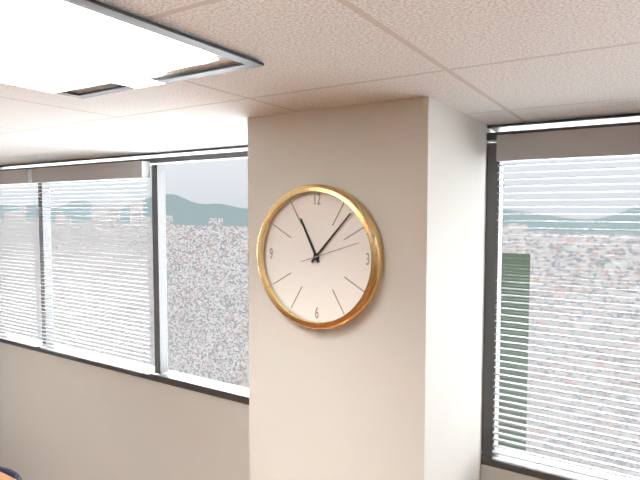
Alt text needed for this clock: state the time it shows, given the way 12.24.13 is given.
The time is 11.07.12
